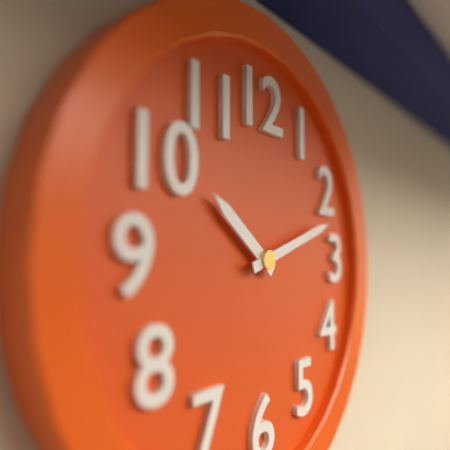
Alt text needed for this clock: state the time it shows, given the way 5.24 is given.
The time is 10.12
